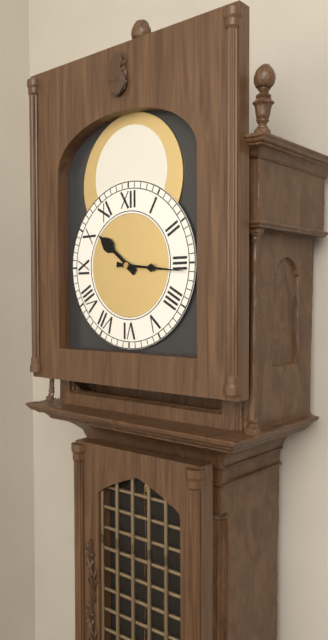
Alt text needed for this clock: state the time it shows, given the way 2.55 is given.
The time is 10.16
